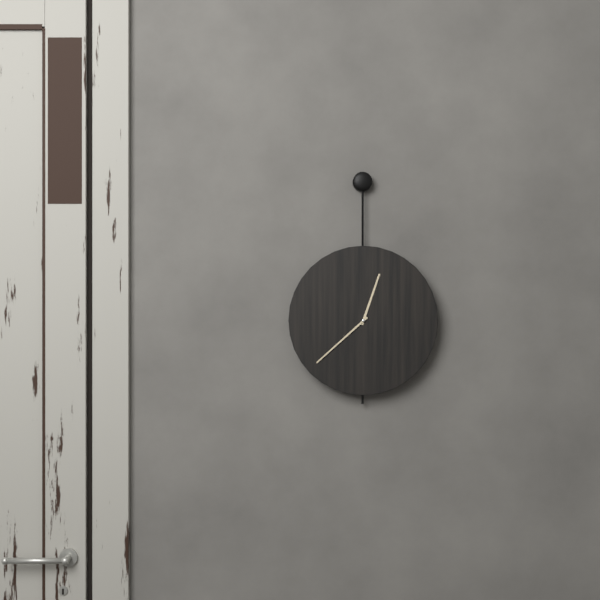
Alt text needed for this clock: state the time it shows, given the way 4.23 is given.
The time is 12.38
